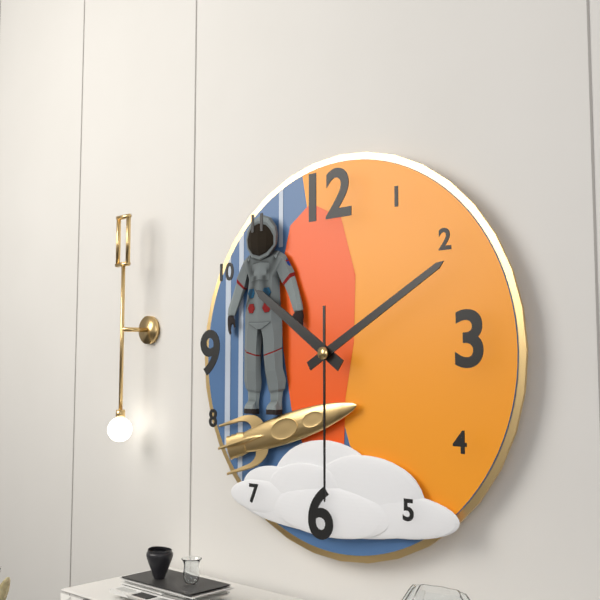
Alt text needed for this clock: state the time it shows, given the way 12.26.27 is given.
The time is 10.10.30
